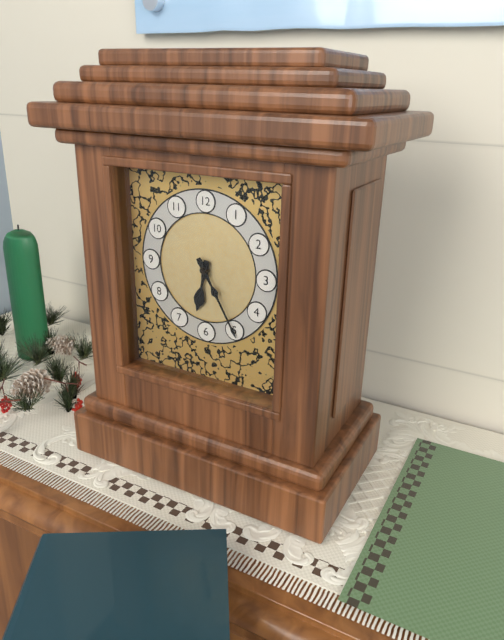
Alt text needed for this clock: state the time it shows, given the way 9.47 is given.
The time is 6.25
